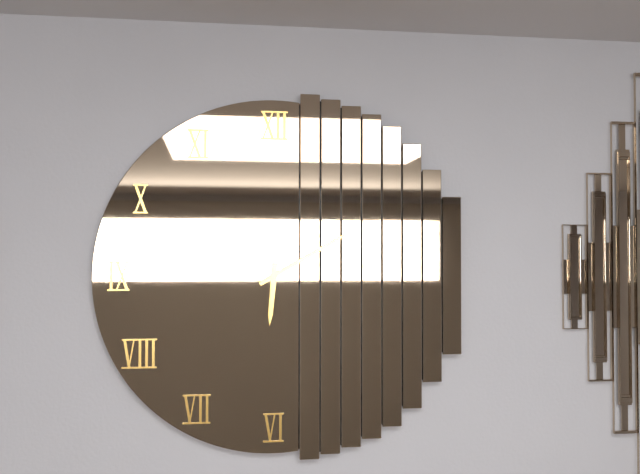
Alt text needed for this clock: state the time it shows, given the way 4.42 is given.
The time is 6.10
